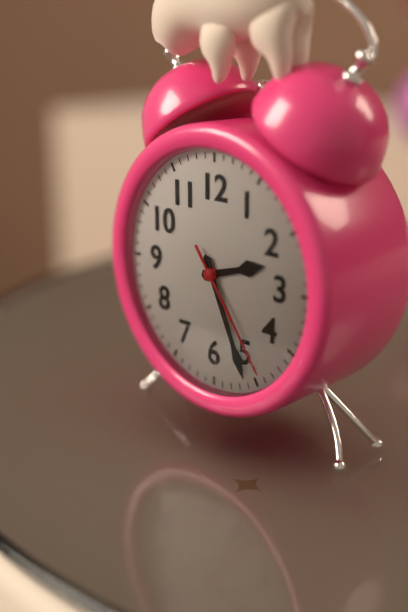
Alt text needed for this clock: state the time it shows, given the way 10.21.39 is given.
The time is 2.26.24
